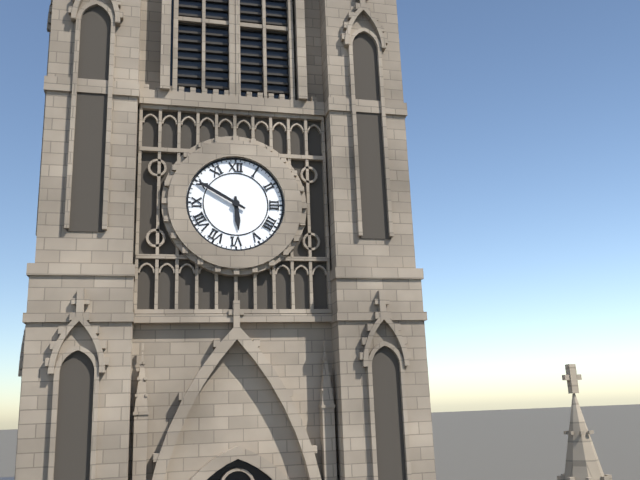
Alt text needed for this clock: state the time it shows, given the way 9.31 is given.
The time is 5.50
